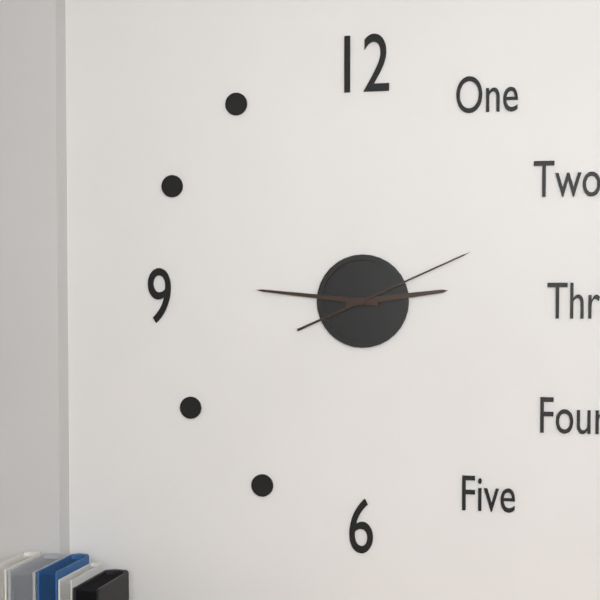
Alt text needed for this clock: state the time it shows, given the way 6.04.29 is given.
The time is 2.46.11
